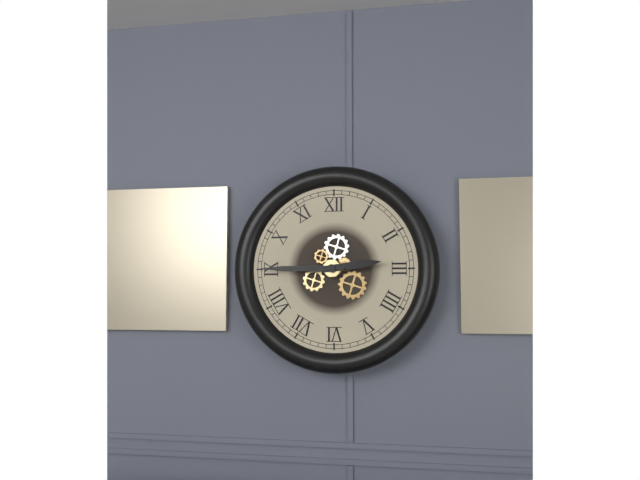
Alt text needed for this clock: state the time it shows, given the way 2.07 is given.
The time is 2.45
